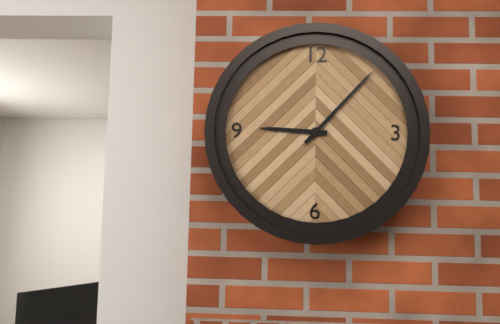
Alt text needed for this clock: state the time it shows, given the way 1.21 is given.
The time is 9.07
